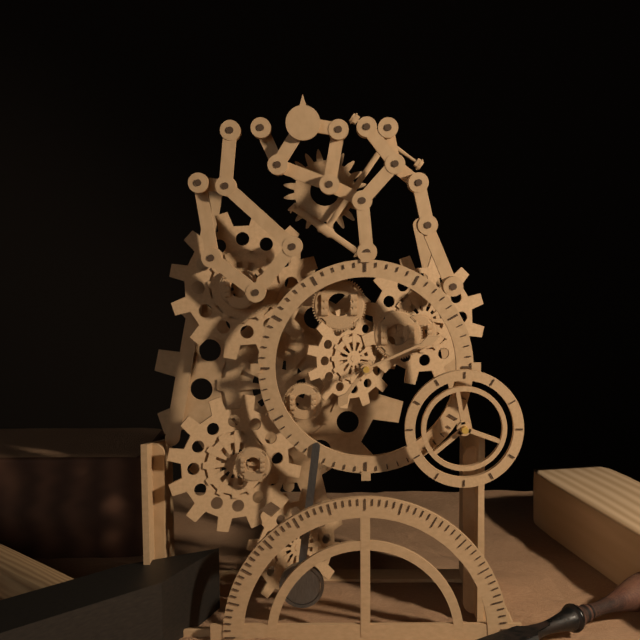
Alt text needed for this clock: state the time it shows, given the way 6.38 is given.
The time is 7.11
